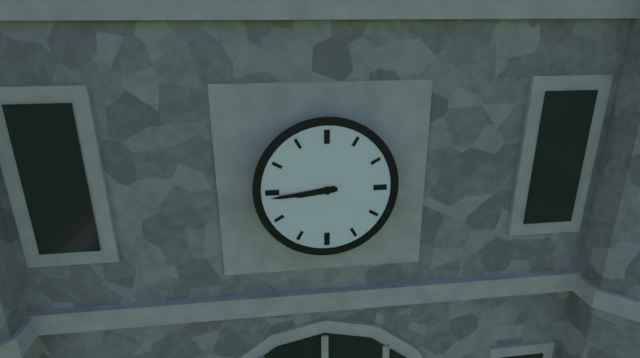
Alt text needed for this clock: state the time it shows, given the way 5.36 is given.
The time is 8.44
